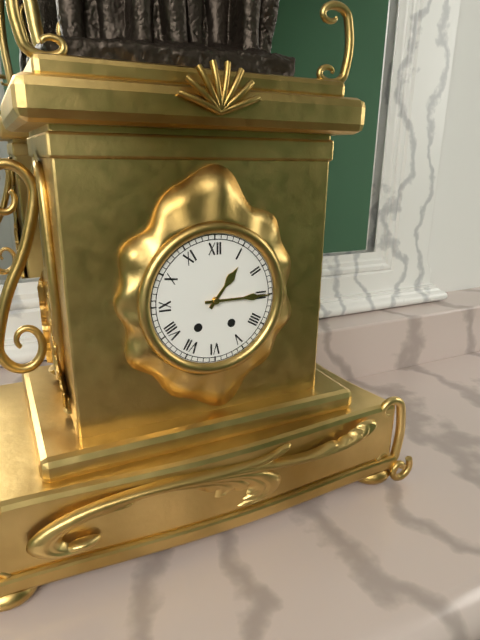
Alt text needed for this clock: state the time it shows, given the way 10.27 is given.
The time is 1.15
